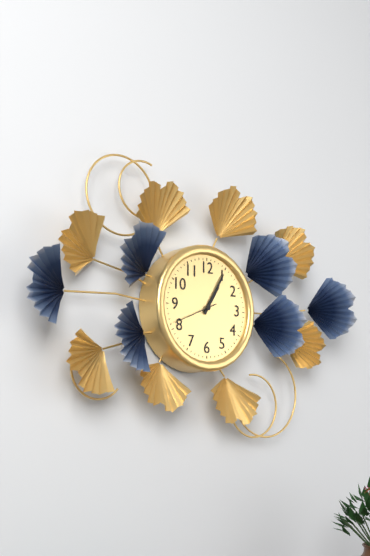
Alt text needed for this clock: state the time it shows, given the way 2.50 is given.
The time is 1.05
